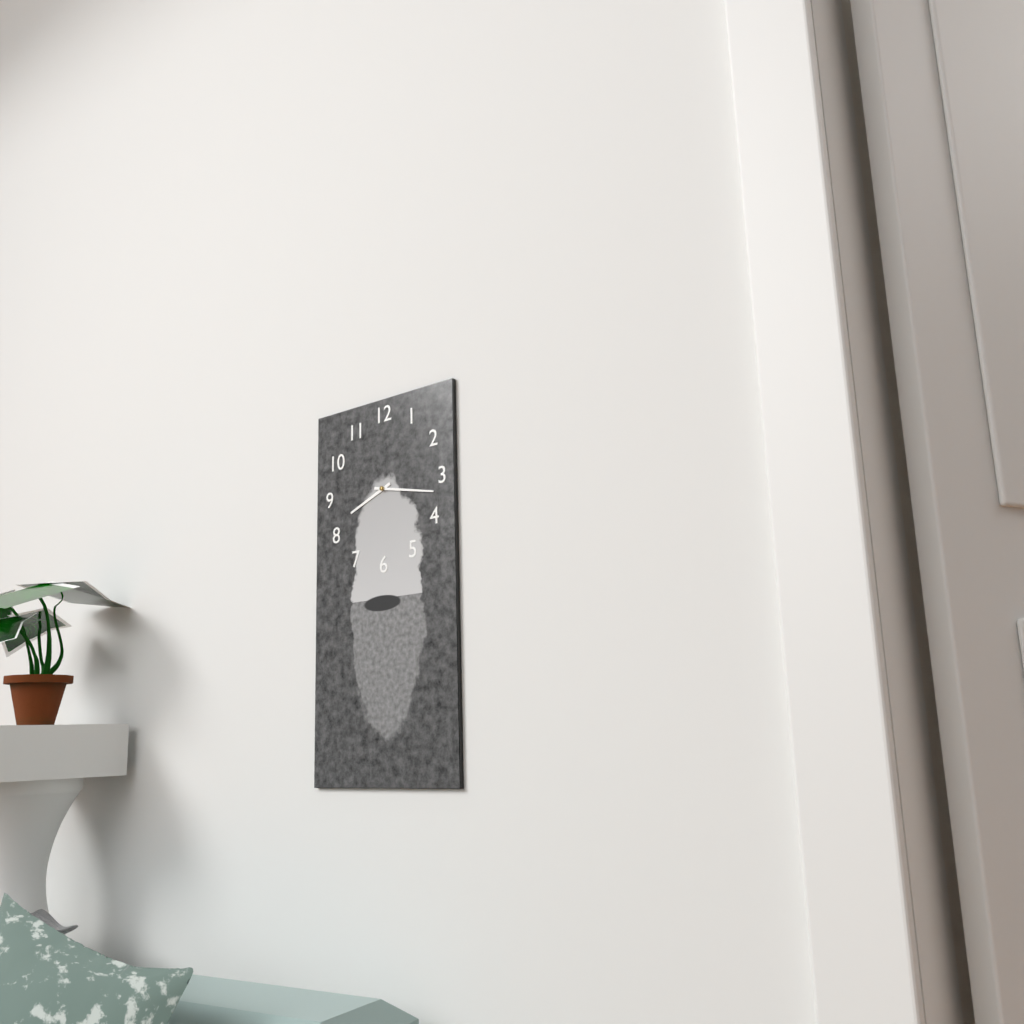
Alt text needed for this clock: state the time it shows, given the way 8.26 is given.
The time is 8.17
